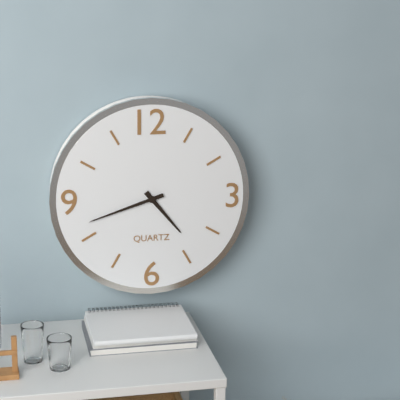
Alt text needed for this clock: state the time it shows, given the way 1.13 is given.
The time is 4.42
